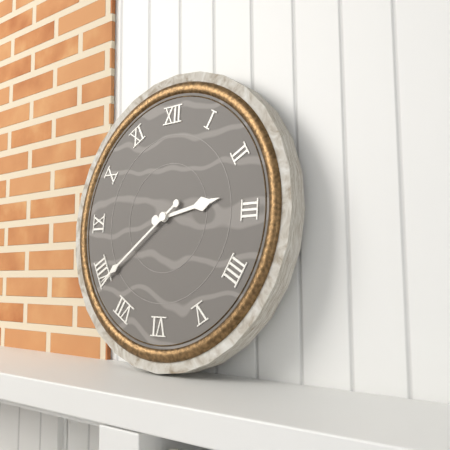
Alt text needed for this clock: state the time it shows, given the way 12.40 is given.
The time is 2.39
